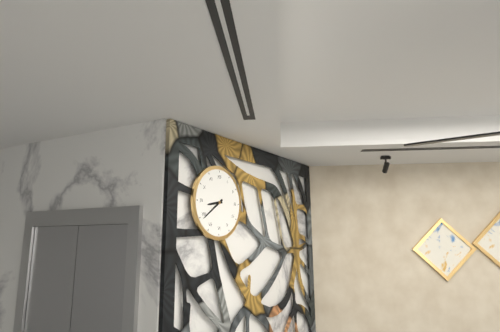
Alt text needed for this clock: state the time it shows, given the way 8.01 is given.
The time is 8.39
